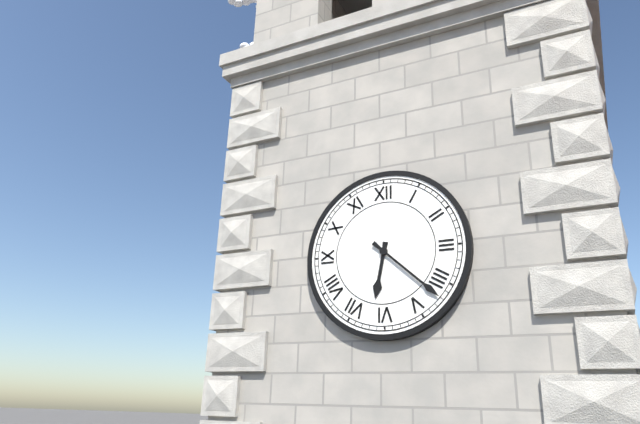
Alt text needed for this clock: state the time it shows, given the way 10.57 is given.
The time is 6.22
